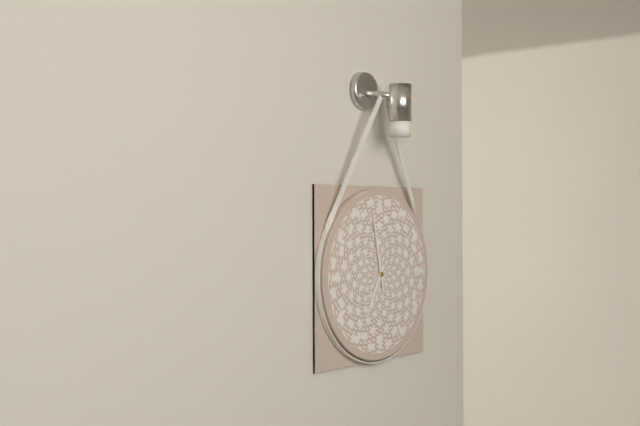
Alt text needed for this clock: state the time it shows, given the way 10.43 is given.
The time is 6.58
